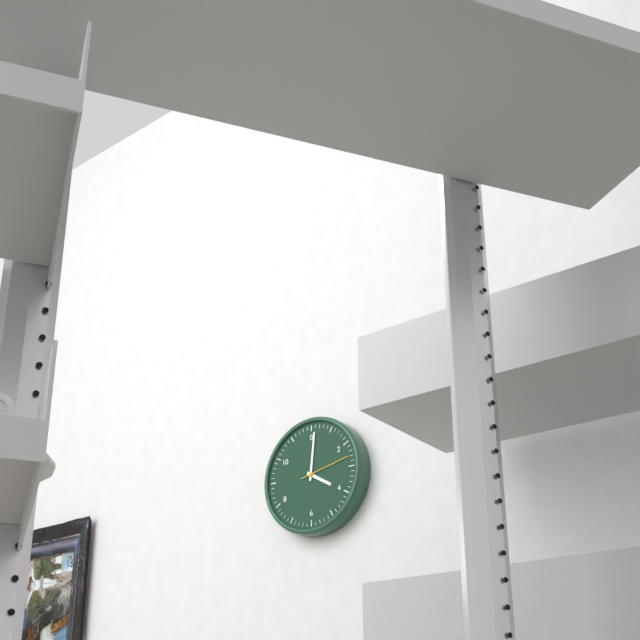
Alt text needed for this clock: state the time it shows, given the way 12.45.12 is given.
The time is 4.01.13
